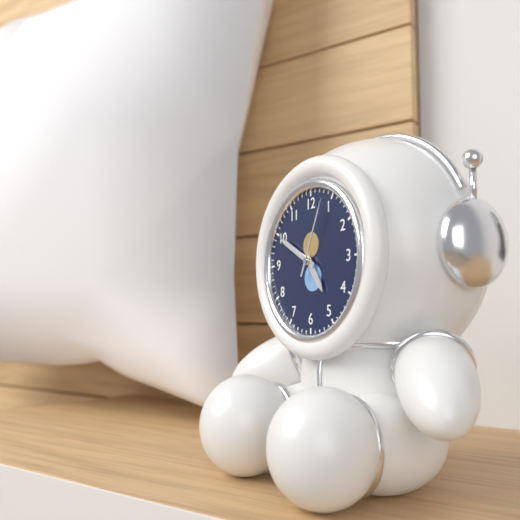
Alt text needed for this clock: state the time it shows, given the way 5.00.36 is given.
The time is 4.50.04
